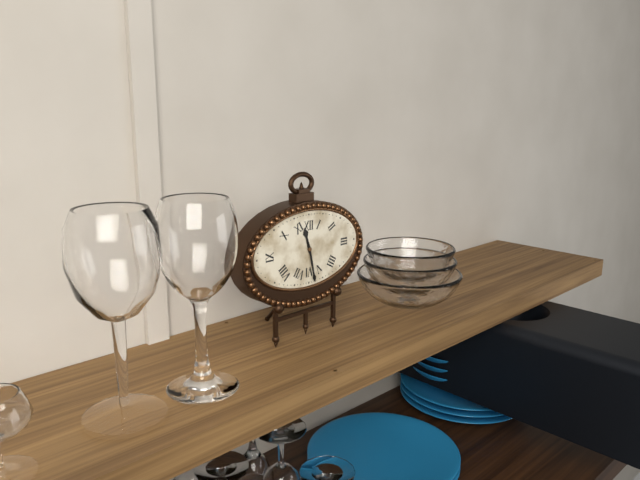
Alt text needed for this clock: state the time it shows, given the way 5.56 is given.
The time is 11.28
